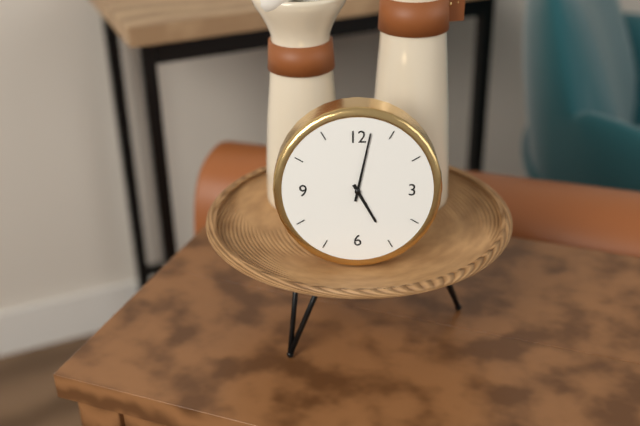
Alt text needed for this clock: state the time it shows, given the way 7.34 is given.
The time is 5.02
